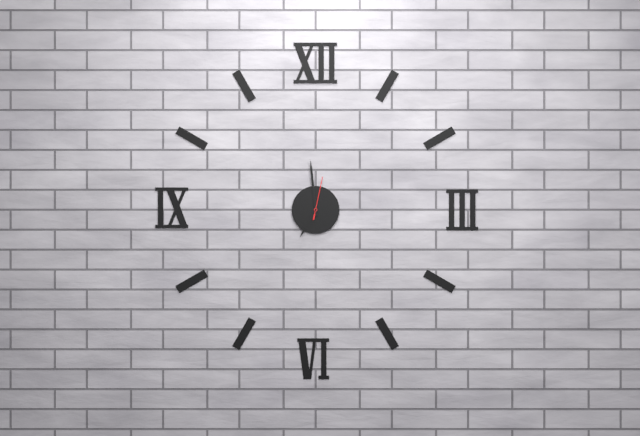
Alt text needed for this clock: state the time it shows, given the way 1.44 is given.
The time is 6.59
